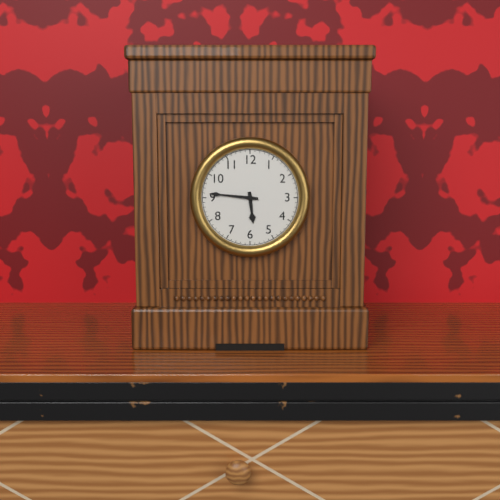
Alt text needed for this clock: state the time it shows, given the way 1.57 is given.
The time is 5.46
